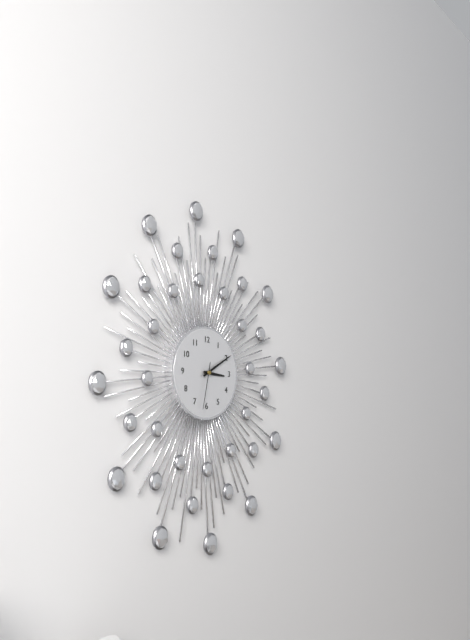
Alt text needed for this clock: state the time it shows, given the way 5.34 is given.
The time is 3.10
